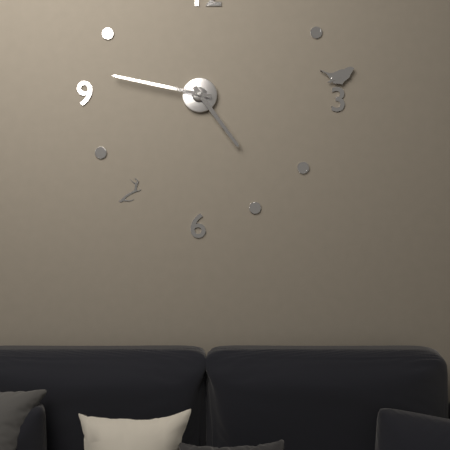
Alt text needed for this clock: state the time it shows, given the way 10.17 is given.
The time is 4.47
